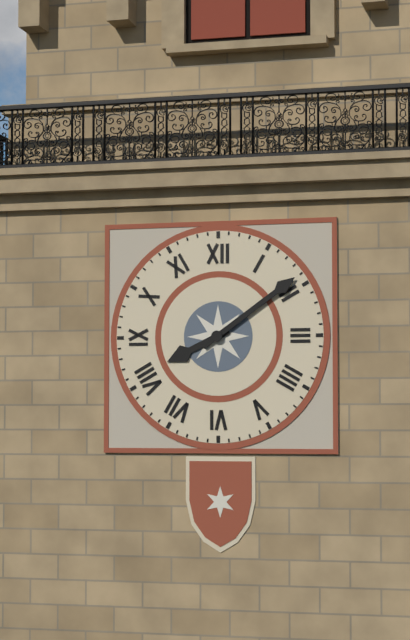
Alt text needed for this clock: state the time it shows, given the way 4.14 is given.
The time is 8.09
